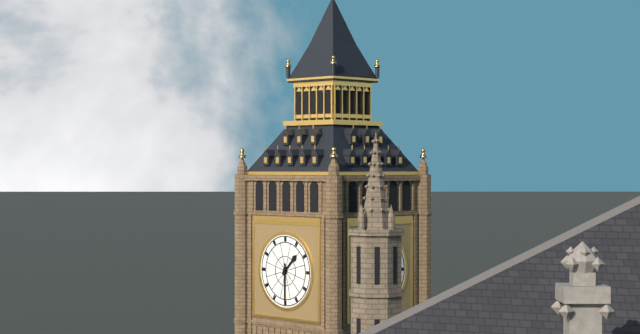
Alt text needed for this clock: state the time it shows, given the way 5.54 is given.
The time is 1.30
